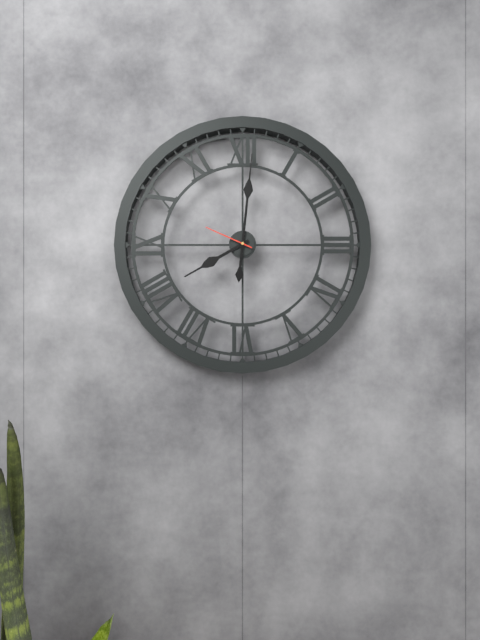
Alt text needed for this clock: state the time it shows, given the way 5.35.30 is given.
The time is 8.01.49
